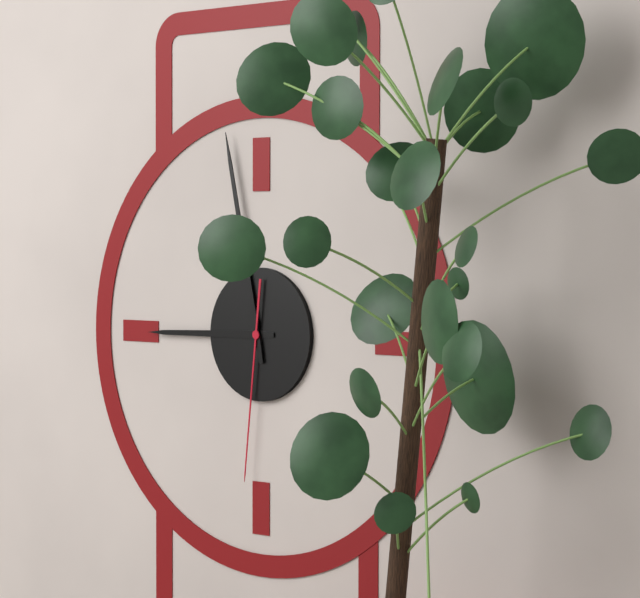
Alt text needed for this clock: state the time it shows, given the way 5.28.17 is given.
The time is 8.58.31
